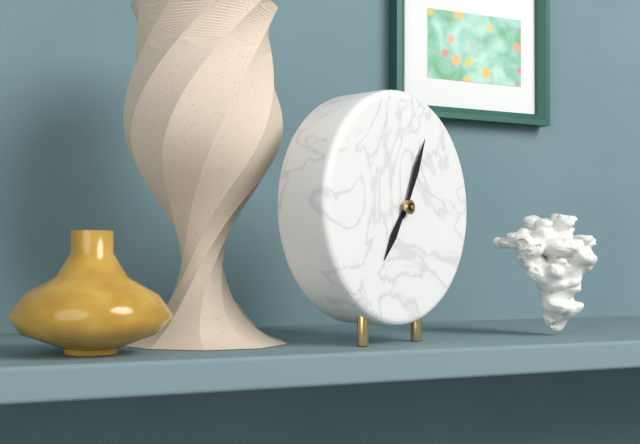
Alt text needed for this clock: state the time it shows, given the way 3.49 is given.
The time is 7.04
